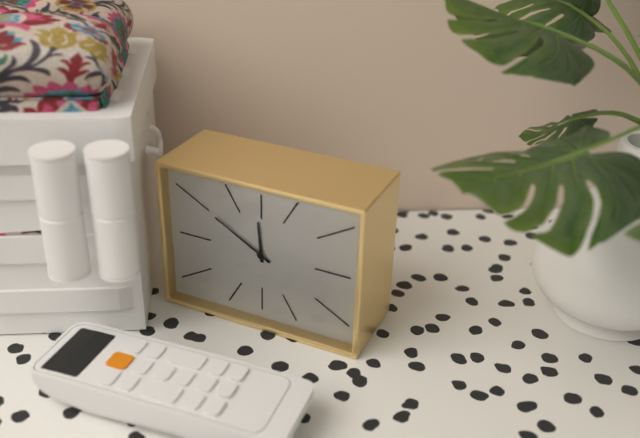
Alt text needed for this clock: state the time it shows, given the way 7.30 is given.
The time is 11.50
